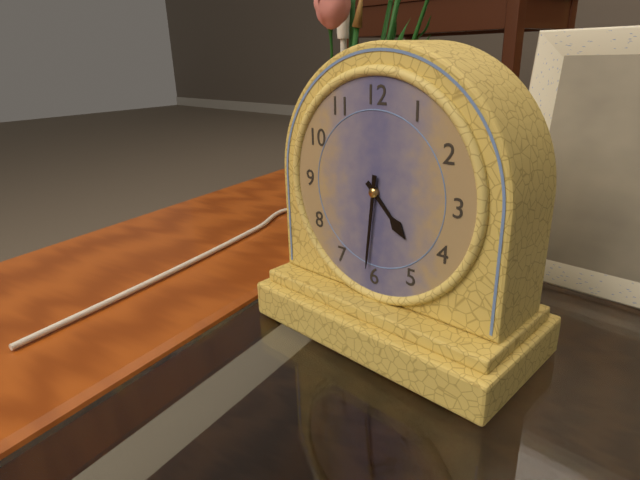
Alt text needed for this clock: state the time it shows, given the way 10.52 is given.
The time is 4.31
